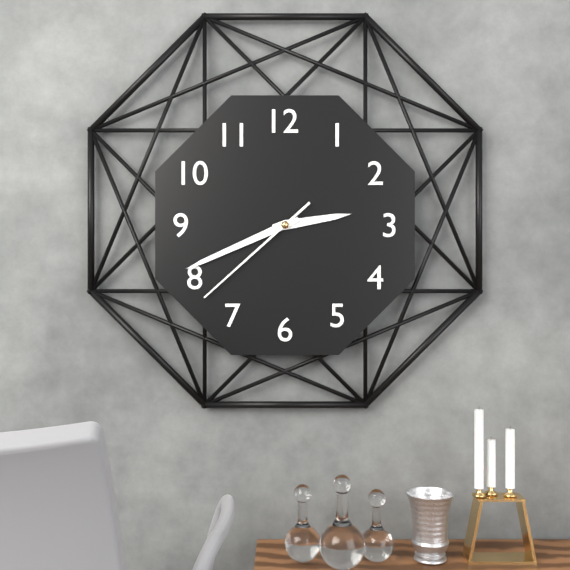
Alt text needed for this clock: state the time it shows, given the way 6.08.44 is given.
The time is 2.41.38
